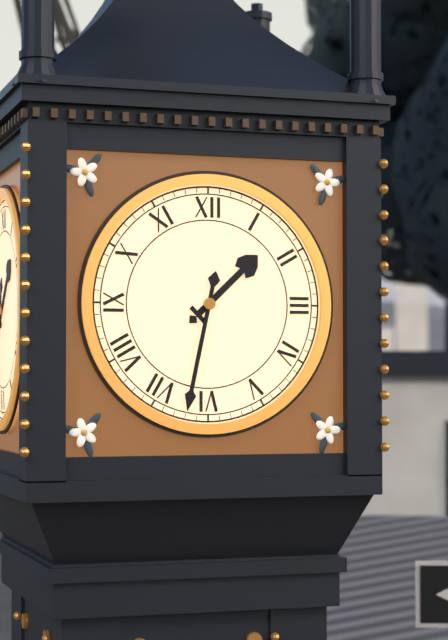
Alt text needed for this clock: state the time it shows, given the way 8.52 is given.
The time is 1.32
